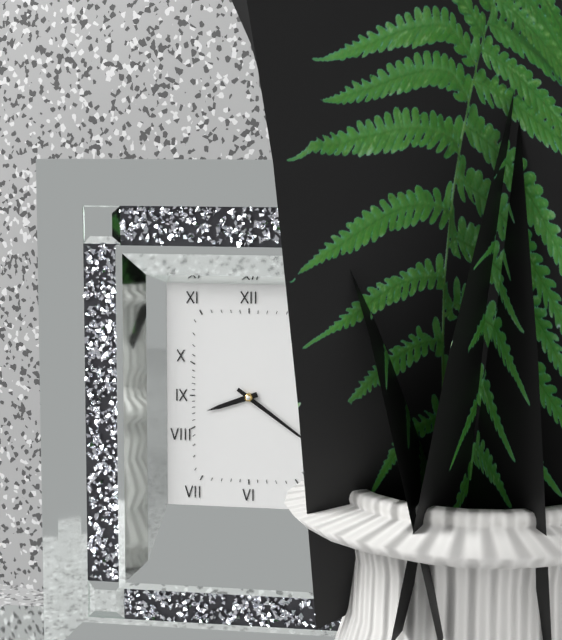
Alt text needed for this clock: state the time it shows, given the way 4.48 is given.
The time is 8.21
